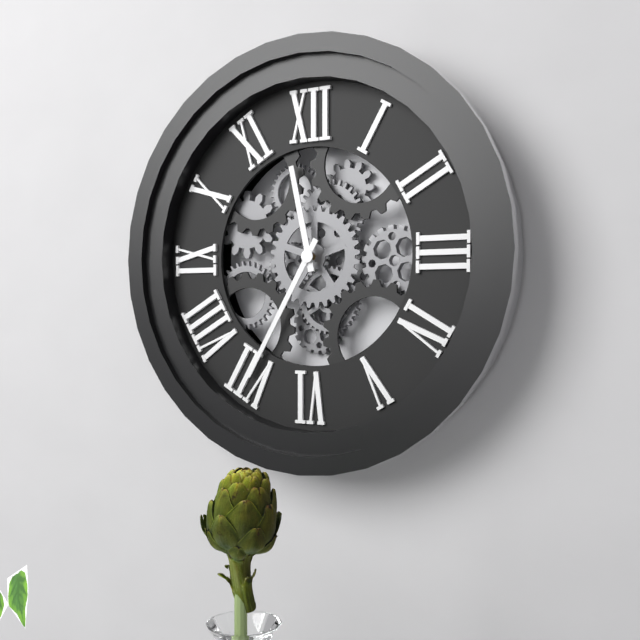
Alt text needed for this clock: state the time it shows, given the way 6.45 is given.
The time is 11.35
